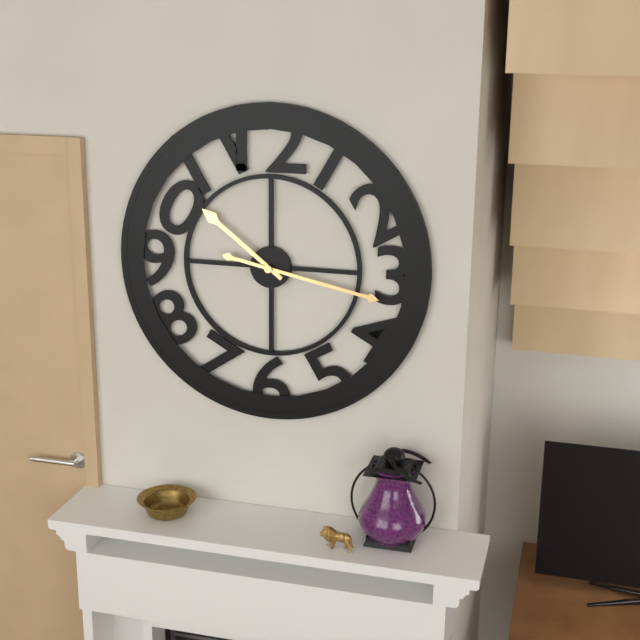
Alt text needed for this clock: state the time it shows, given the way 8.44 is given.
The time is 10.17
